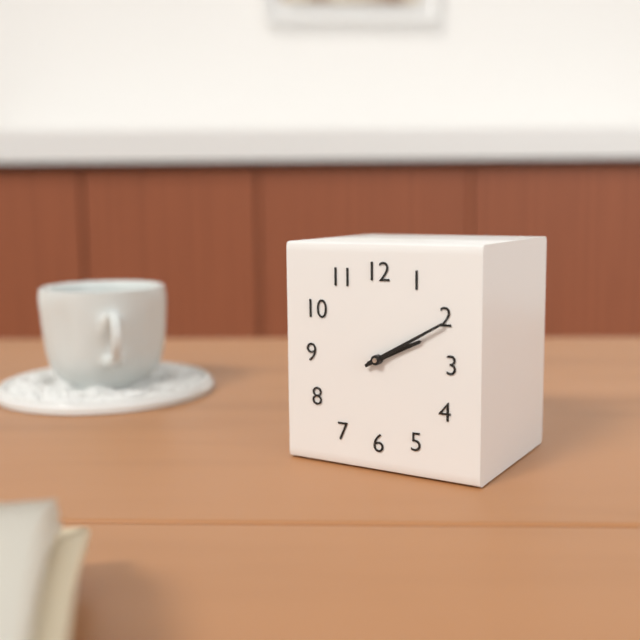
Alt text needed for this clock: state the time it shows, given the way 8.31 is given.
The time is 2.10
